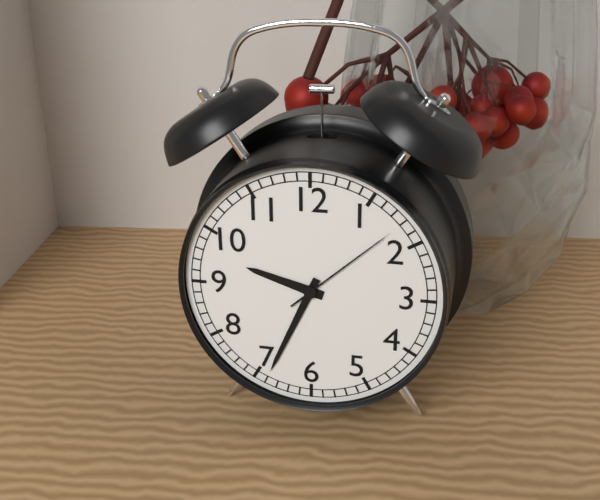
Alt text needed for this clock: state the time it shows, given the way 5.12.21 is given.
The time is 9.34.08
